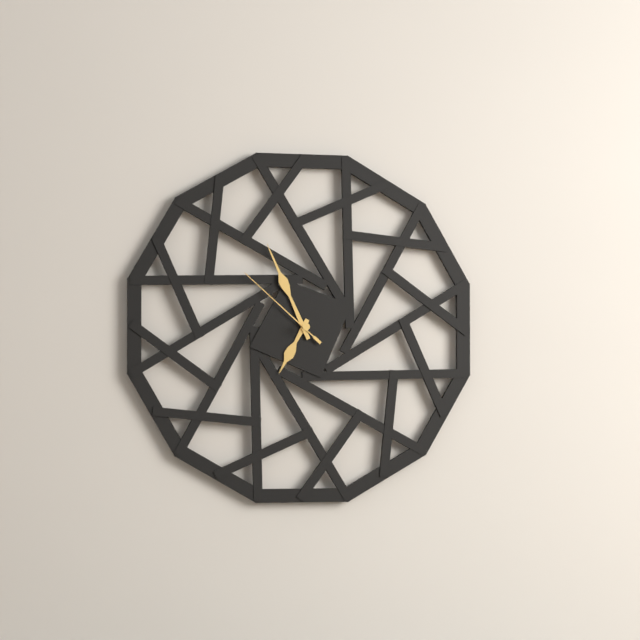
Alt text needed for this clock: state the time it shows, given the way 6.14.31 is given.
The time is 6.56.52
